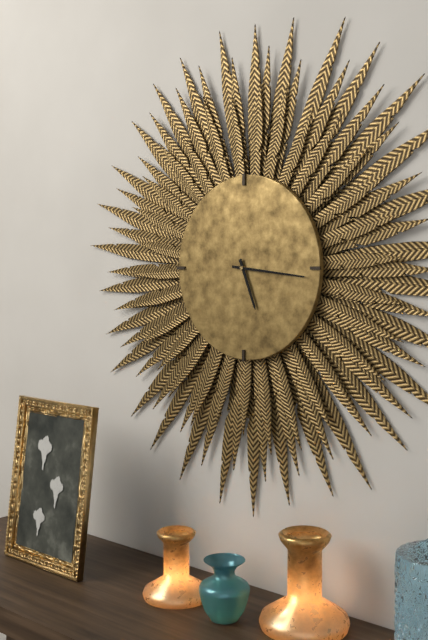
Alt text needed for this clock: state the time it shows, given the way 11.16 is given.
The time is 5.16
